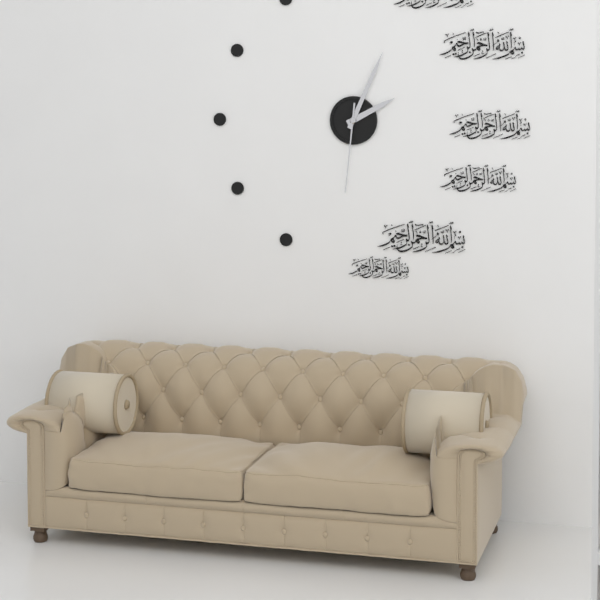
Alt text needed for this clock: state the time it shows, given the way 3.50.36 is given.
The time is 2.04.31
